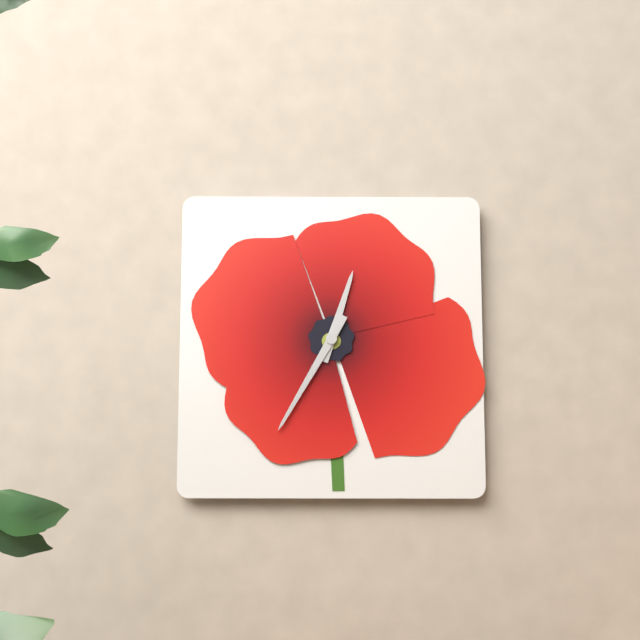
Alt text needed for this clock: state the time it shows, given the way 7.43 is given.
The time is 12.35
